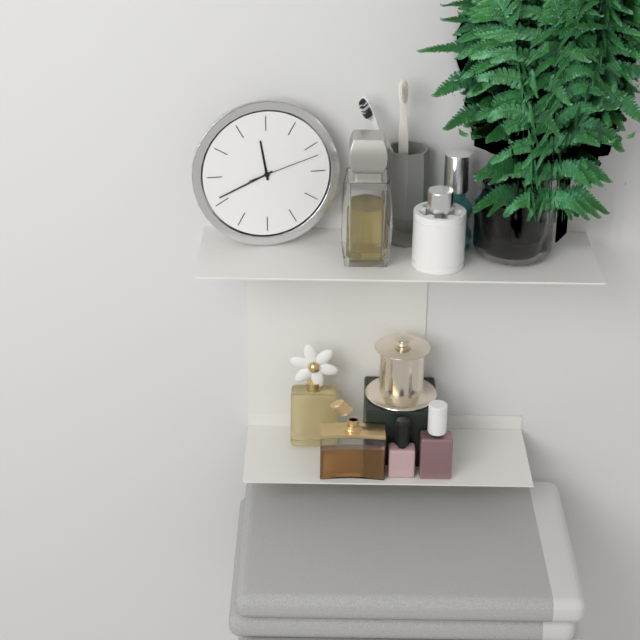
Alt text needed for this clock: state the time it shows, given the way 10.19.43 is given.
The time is 11.41.12
